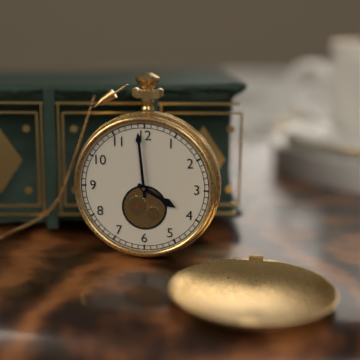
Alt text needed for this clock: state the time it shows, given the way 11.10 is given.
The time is 3.59
